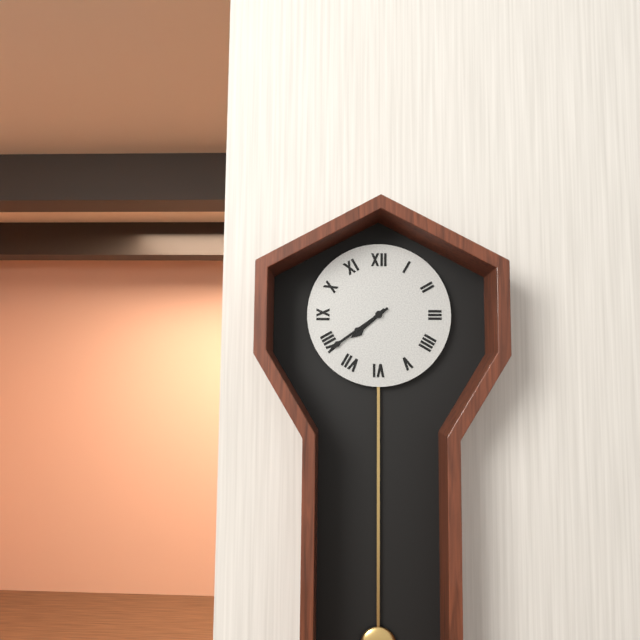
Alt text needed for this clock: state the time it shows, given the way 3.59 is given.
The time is 7.39
